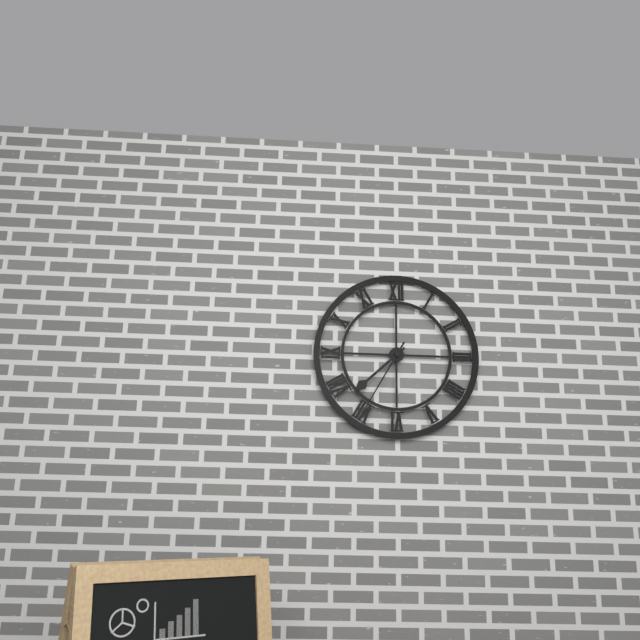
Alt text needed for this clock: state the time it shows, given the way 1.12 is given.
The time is 7.35
